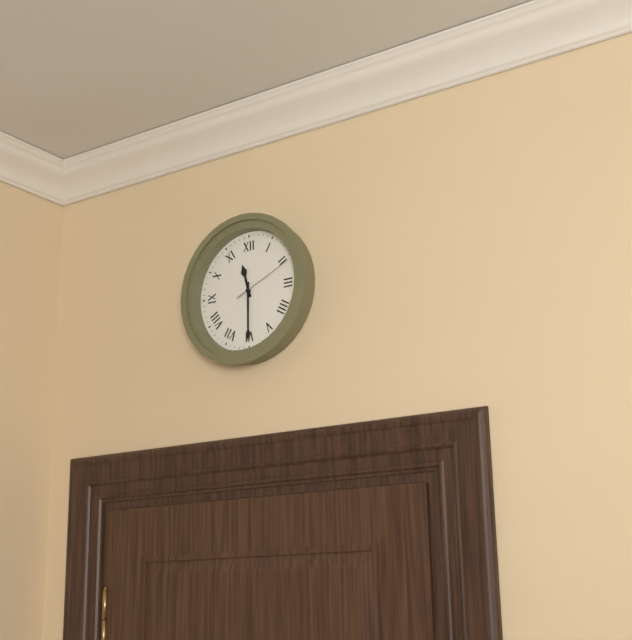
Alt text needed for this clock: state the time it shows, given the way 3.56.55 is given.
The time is 11.30.11
